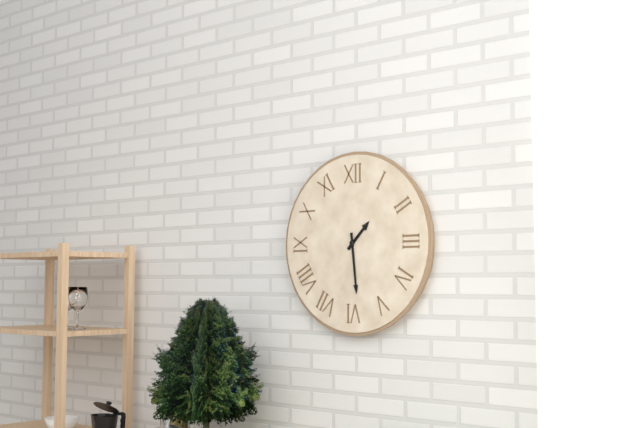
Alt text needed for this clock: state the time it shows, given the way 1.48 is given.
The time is 1.29
